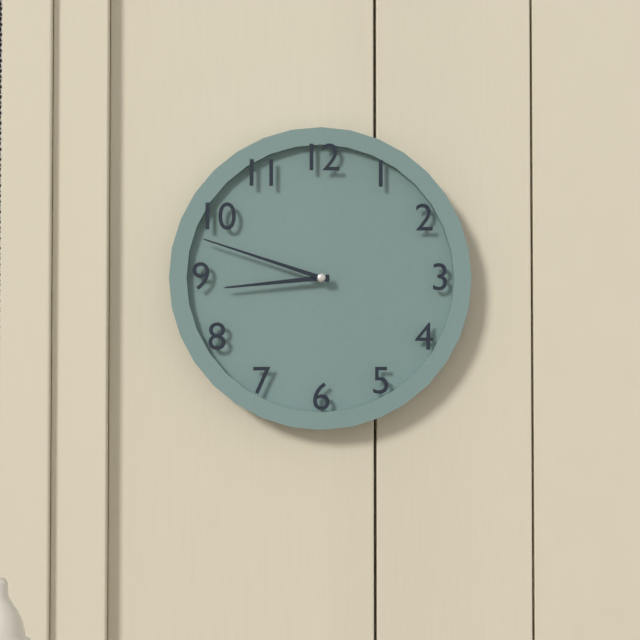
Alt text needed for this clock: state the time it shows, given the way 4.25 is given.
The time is 8.48
